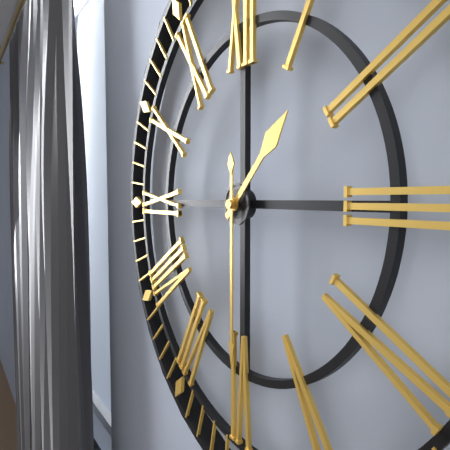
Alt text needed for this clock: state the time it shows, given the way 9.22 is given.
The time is 1.30
